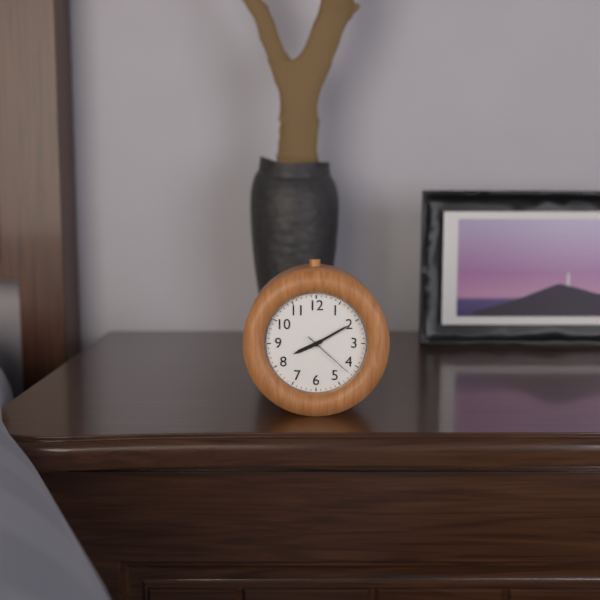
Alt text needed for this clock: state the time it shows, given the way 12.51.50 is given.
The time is 8.10.22
